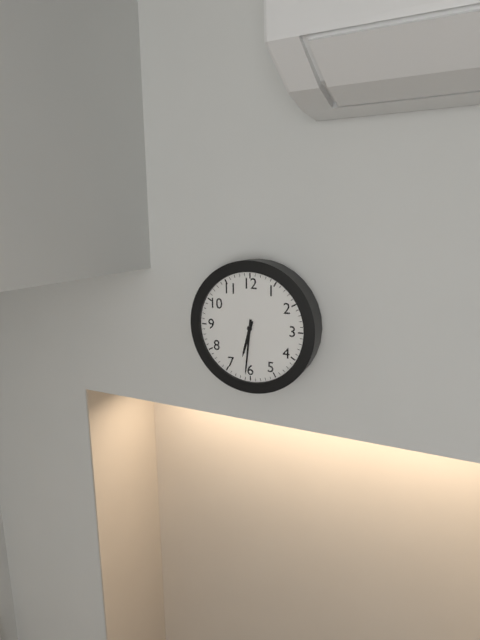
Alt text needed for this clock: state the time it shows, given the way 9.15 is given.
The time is 6.31
